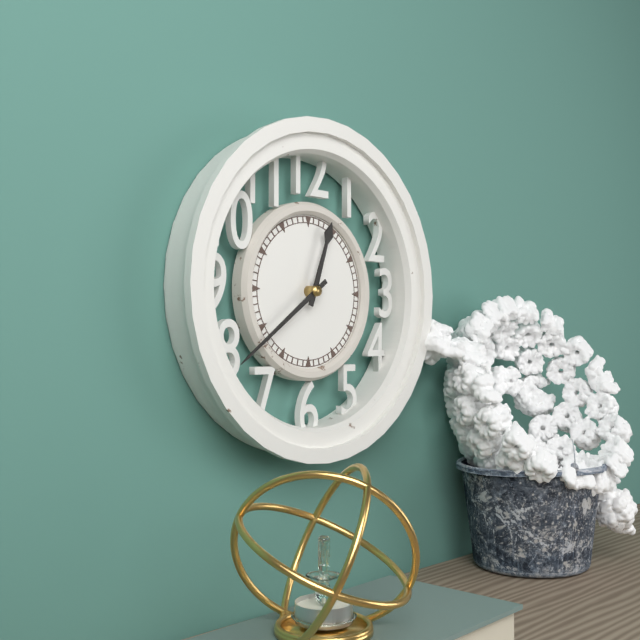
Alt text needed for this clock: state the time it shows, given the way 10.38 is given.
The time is 12.39
